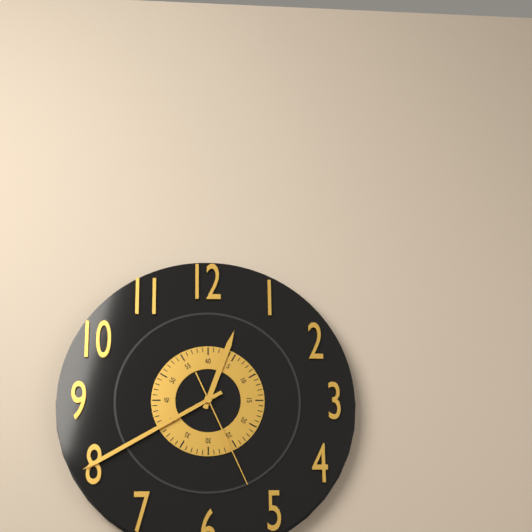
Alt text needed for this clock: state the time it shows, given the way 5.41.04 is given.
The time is 12.40.26
